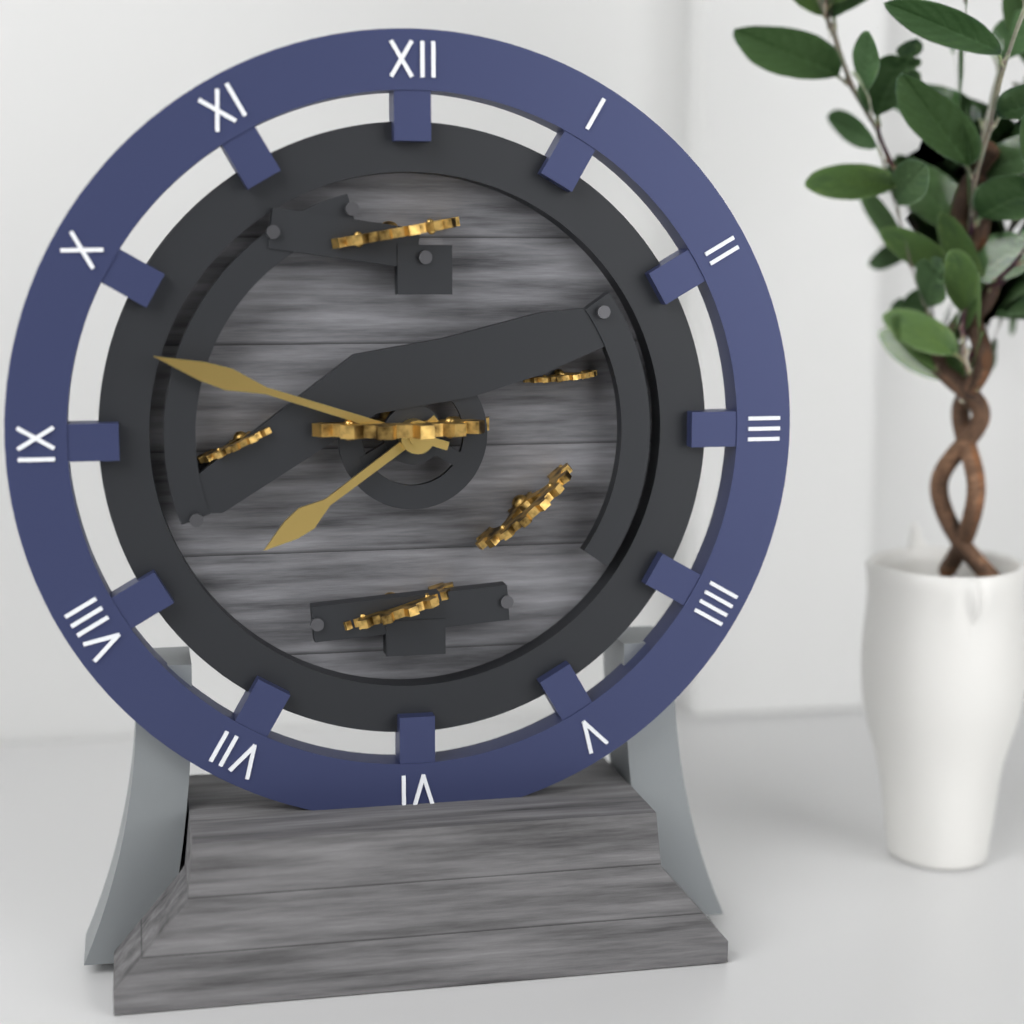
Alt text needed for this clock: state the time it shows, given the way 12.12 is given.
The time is 7.48
